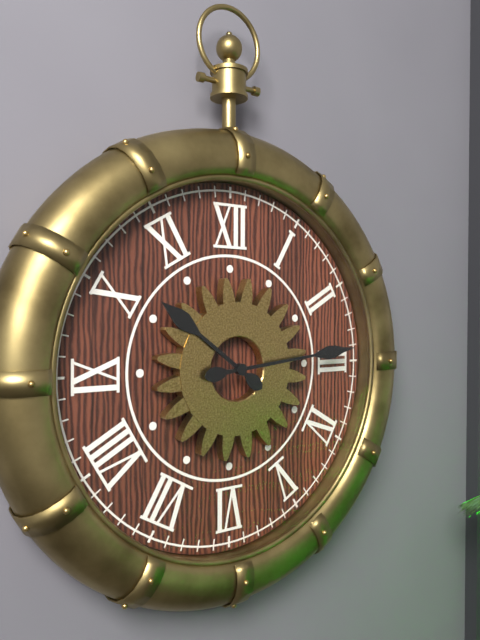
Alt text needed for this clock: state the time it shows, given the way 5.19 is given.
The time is 10.14
